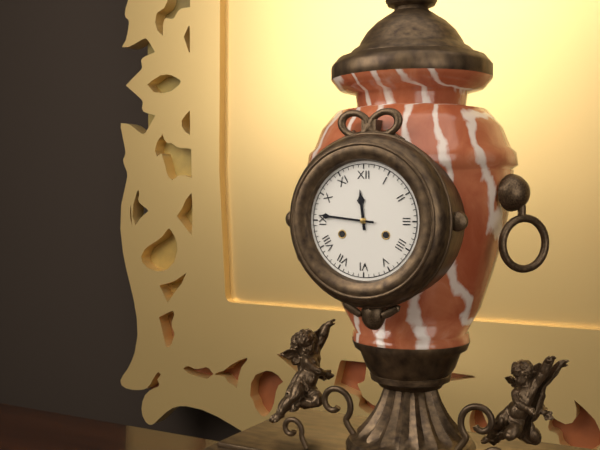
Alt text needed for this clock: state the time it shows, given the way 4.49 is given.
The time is 11.46
